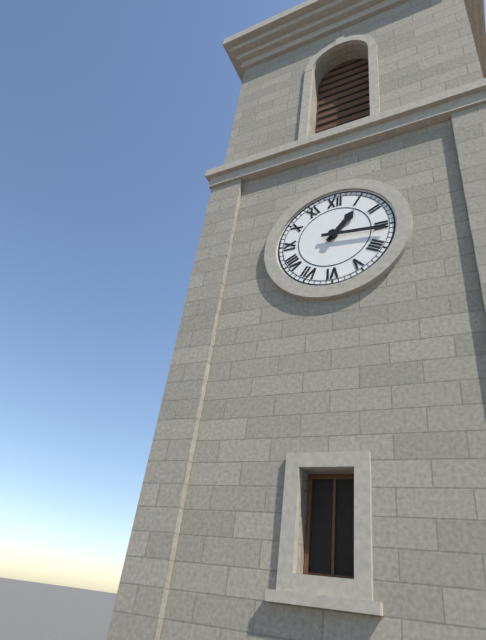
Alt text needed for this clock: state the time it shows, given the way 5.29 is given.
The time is 1.16
